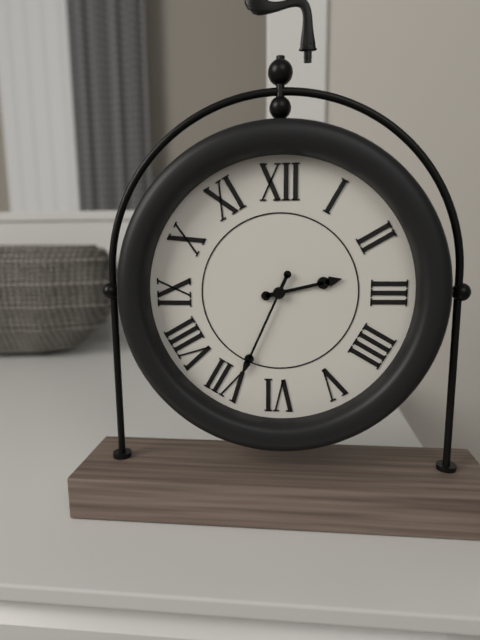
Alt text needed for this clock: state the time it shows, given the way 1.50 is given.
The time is 2.34
